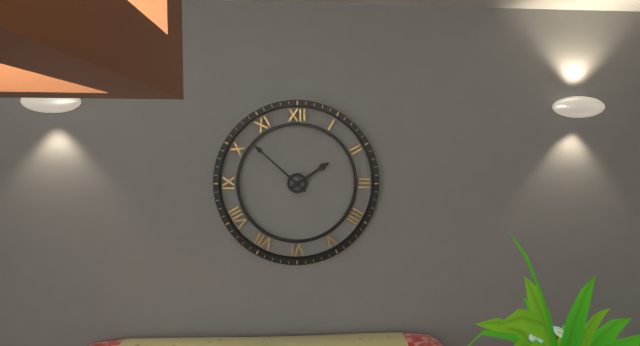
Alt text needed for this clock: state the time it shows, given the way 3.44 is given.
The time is 1.52
